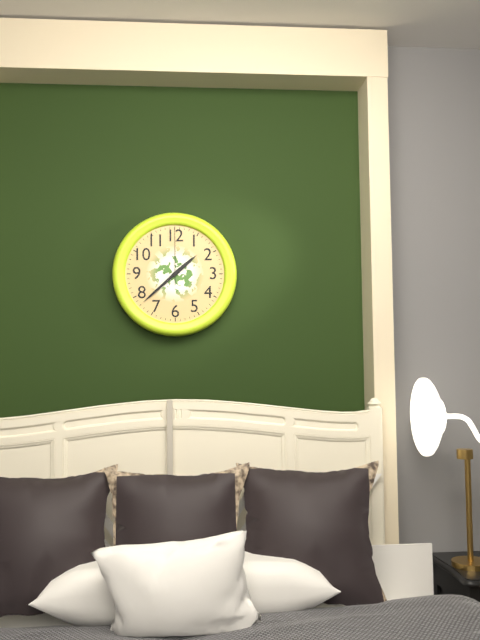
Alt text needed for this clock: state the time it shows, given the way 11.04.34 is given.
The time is 1.38.00
